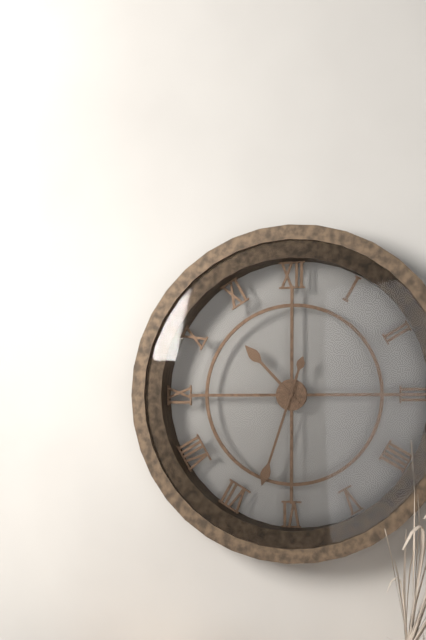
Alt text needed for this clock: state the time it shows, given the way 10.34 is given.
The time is 10.33
